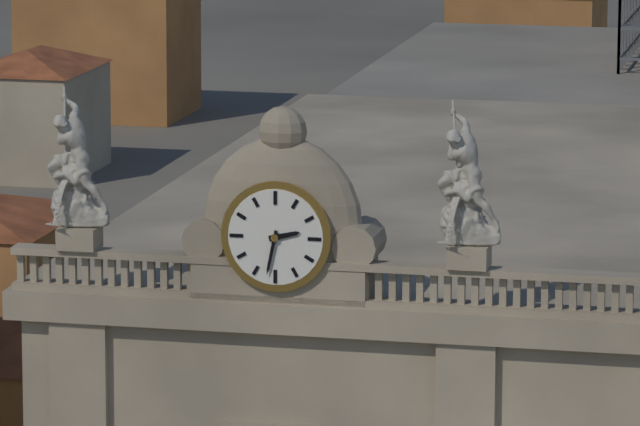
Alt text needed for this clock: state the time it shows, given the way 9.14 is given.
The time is 2.32
